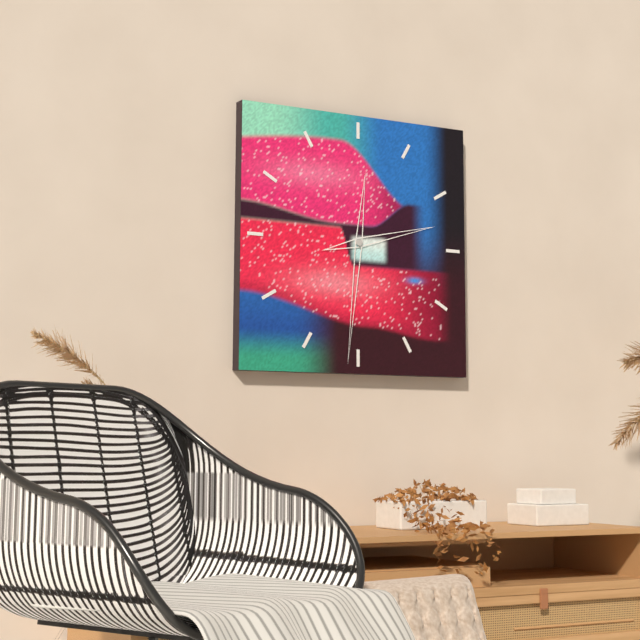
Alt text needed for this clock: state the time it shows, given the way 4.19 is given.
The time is 2.31
